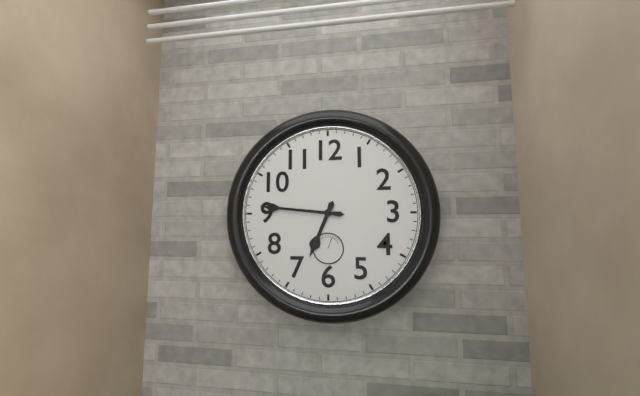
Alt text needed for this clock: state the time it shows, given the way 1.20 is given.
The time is 6.46
